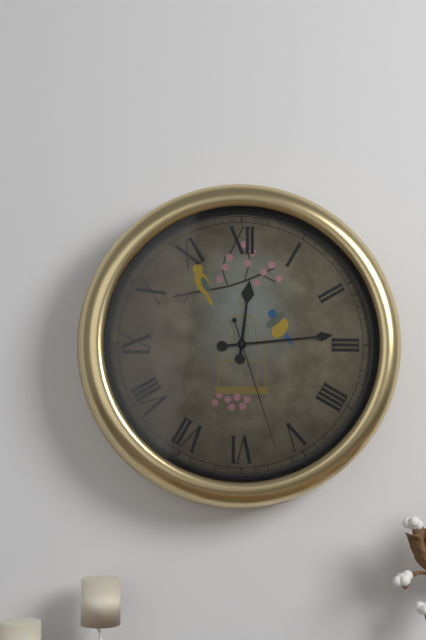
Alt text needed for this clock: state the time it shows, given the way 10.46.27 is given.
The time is 12.14.27
